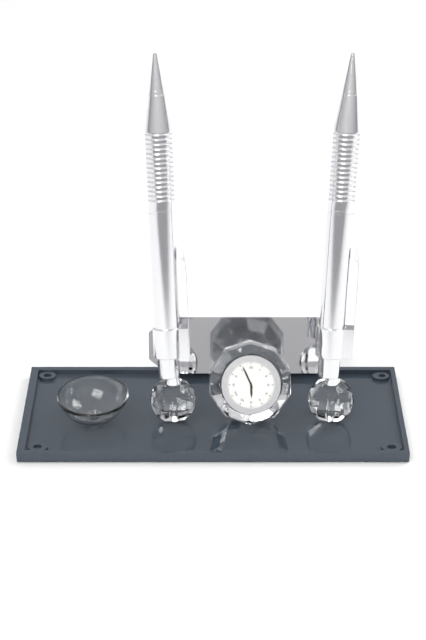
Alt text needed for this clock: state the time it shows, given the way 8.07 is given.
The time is 5.56
